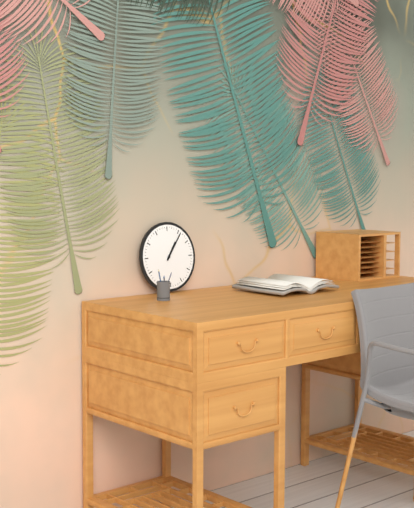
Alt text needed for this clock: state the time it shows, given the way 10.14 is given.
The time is 1.06
